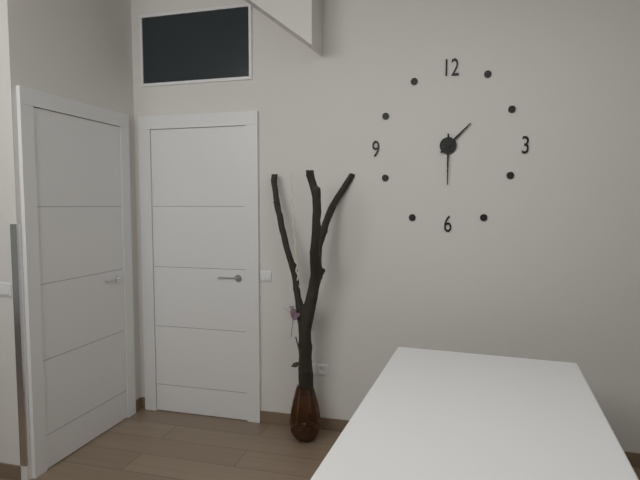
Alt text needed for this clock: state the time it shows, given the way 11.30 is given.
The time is 1.30
